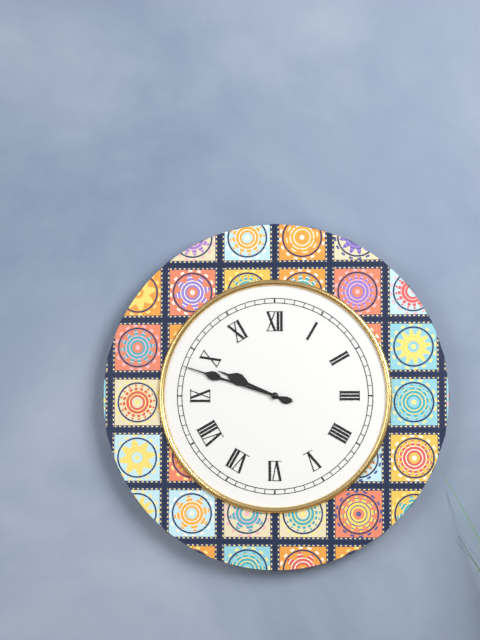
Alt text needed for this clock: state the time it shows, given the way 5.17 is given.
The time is 9.48
